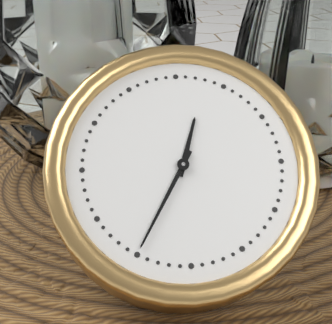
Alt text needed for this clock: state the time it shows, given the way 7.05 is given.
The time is 12.35
